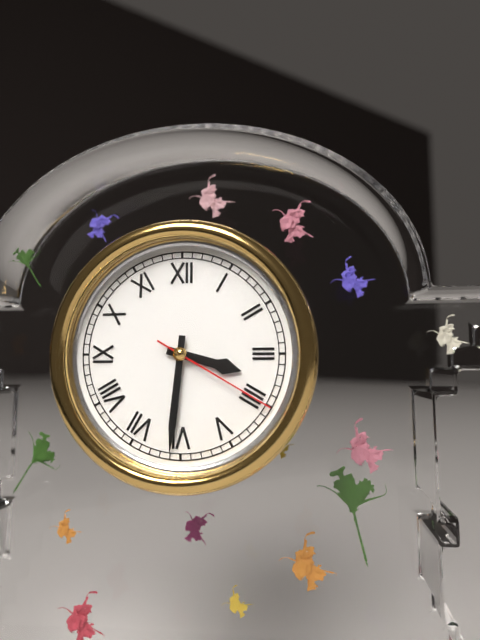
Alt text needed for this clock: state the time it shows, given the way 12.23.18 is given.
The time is 3.31.20
